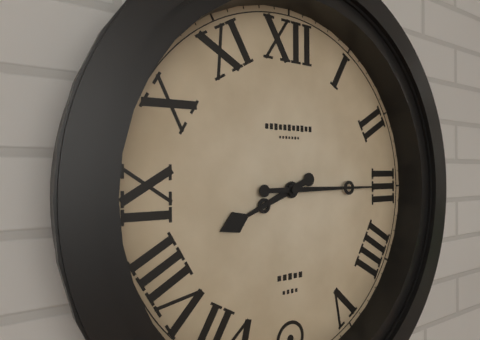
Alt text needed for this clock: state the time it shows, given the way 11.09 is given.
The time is 8.15
